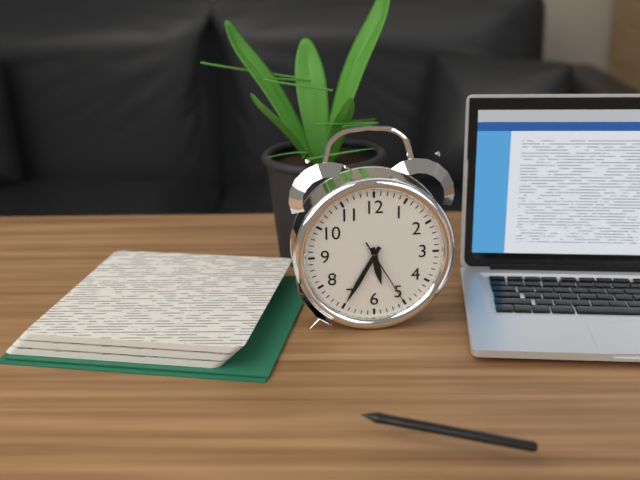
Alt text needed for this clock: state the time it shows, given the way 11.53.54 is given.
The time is 5.35.25
